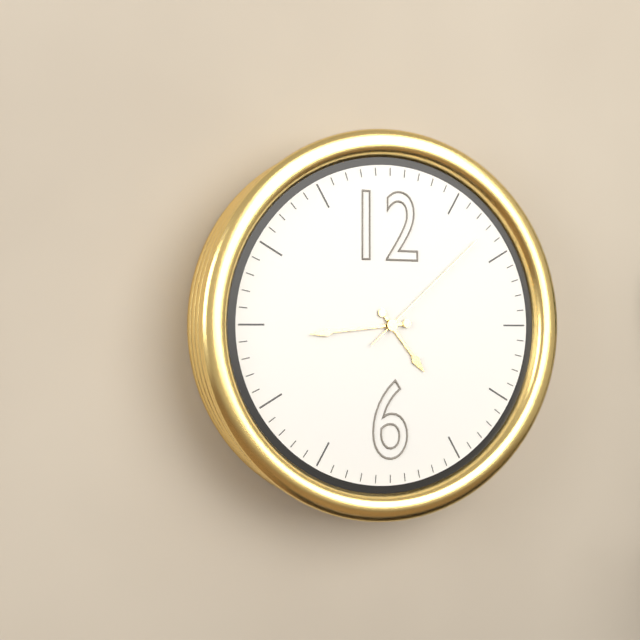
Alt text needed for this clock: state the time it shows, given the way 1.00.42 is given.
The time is 4.44.08
